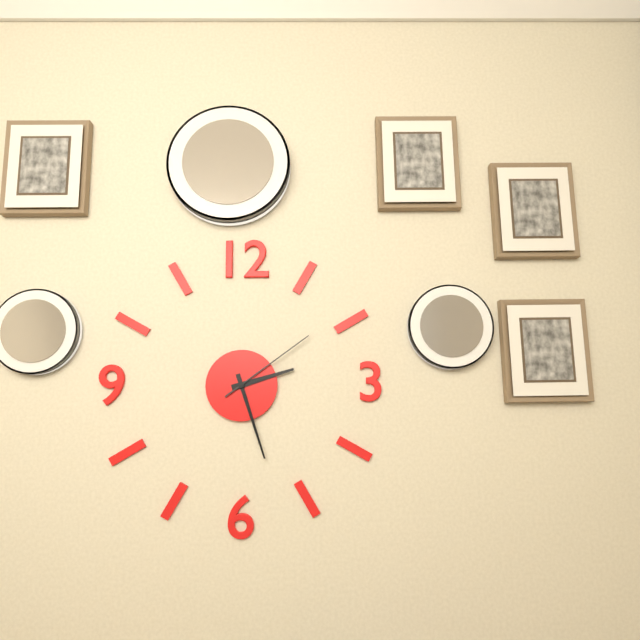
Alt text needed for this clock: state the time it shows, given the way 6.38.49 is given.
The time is 2.27.09
